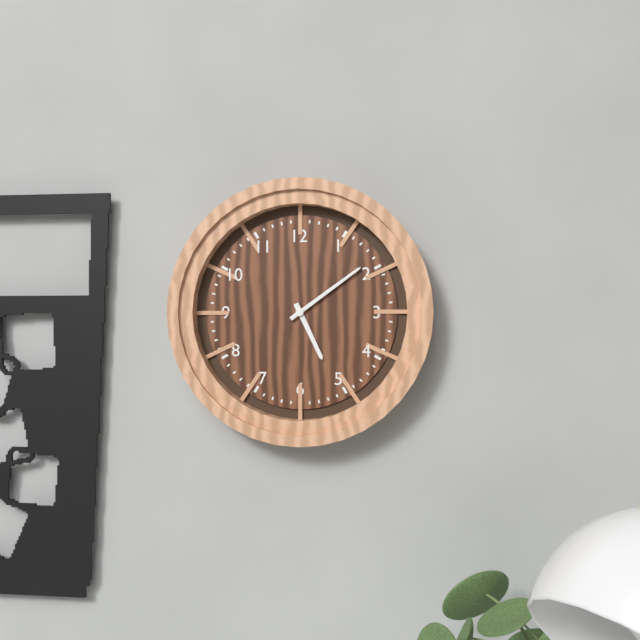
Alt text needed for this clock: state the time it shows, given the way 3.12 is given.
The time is 5.09
